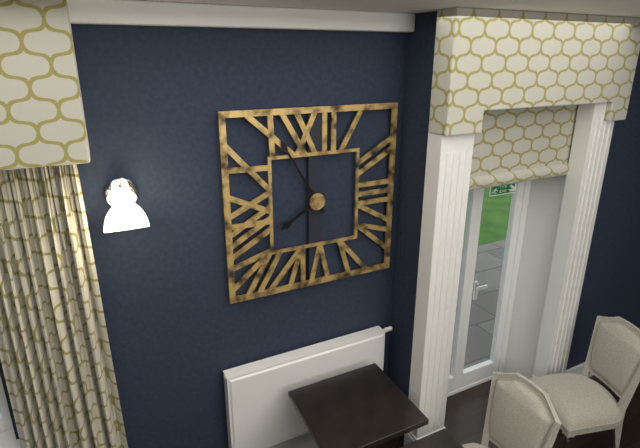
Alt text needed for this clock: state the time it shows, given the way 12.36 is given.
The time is 7.55
